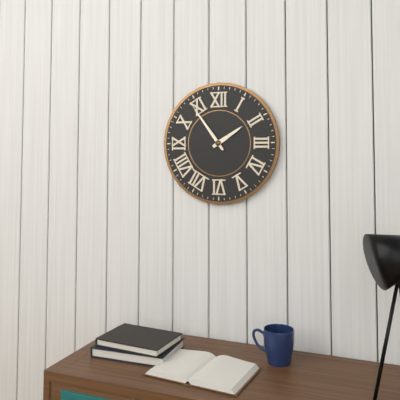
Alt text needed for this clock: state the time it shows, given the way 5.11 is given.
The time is 1.54
